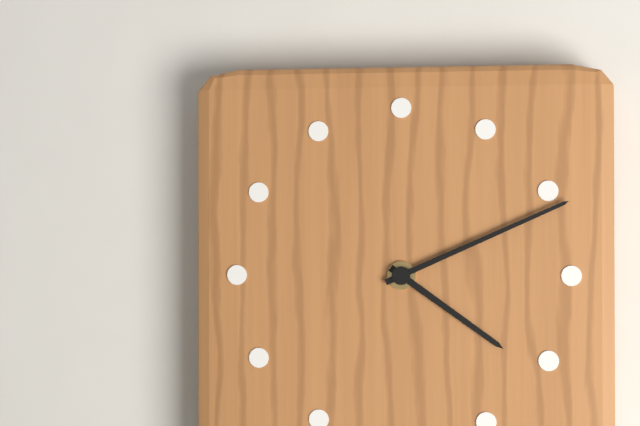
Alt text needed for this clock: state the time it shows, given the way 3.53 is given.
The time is 4.11
